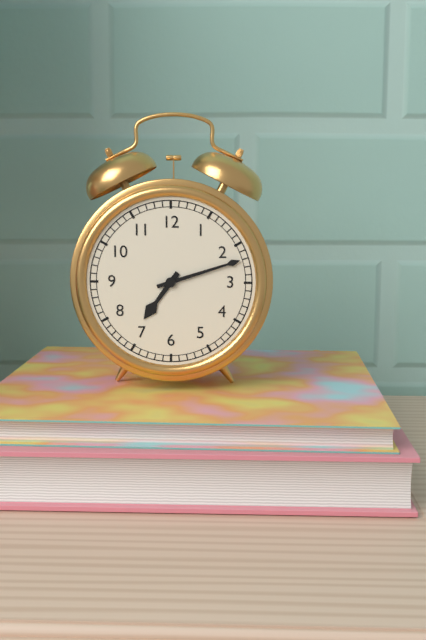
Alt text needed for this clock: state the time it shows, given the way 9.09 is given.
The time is 7.12
